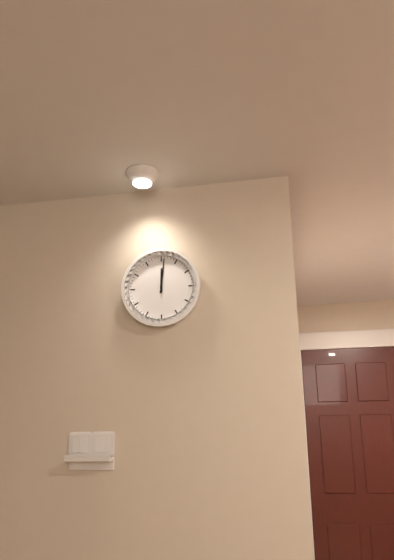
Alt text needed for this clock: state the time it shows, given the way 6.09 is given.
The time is 12.01
